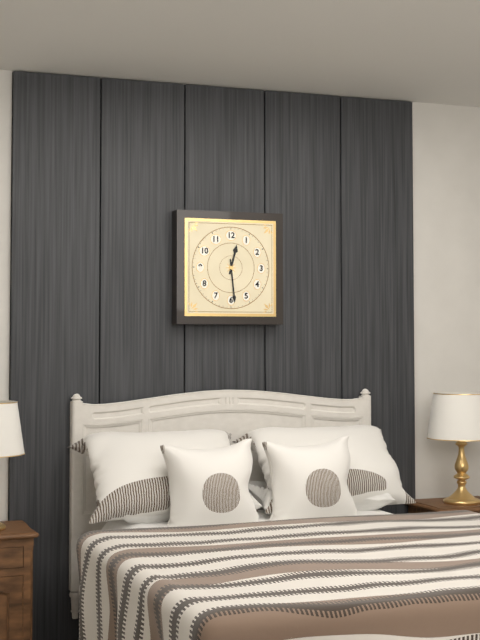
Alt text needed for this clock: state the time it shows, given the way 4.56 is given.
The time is 12.29
